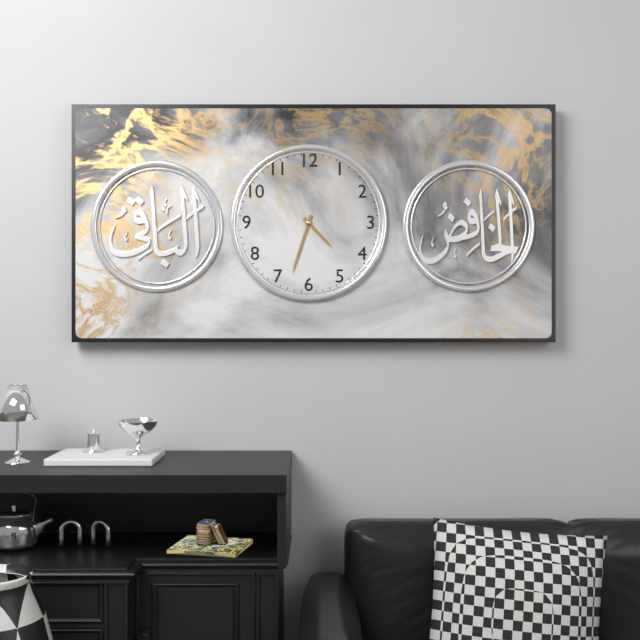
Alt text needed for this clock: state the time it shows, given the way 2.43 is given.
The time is 4.33
